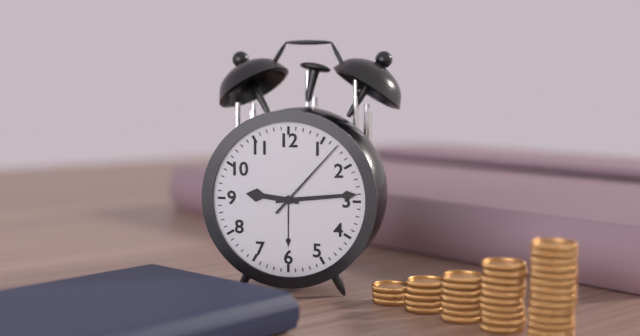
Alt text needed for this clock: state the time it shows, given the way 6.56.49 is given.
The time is 9.14.07
